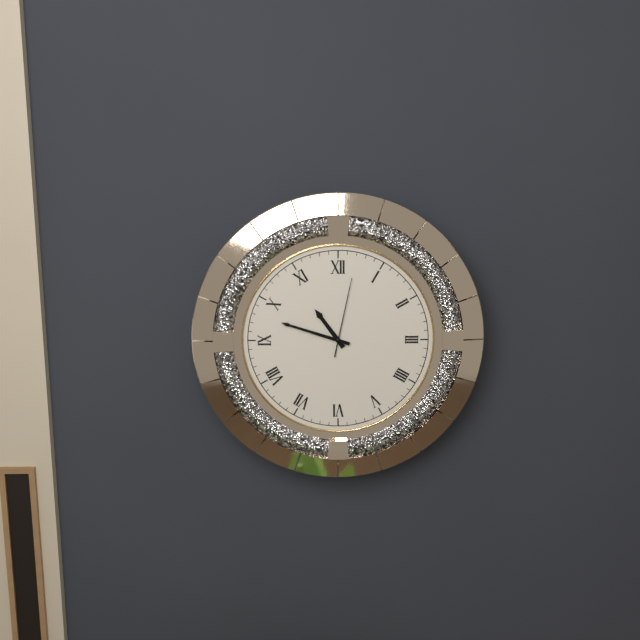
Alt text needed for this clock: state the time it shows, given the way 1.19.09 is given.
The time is 10.48.02
